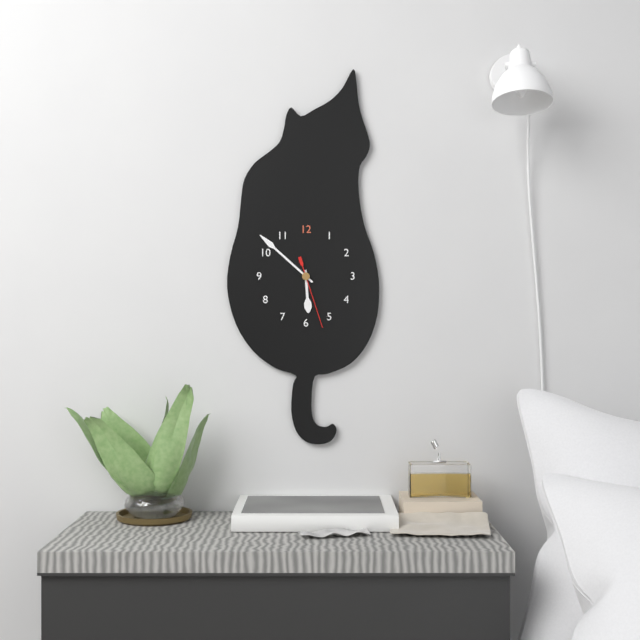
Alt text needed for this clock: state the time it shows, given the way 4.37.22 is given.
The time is 5.52.27
